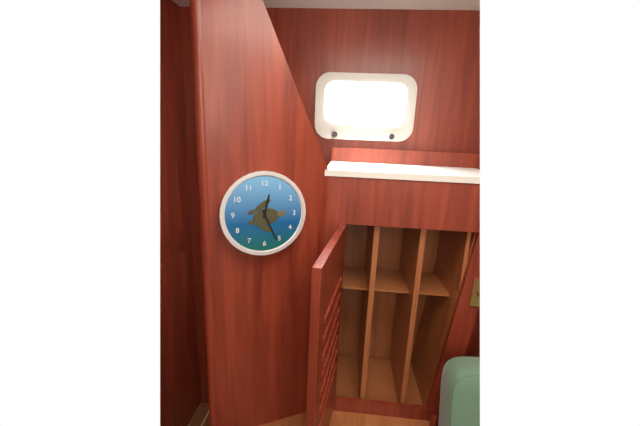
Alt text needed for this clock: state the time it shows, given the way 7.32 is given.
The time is 12.26
